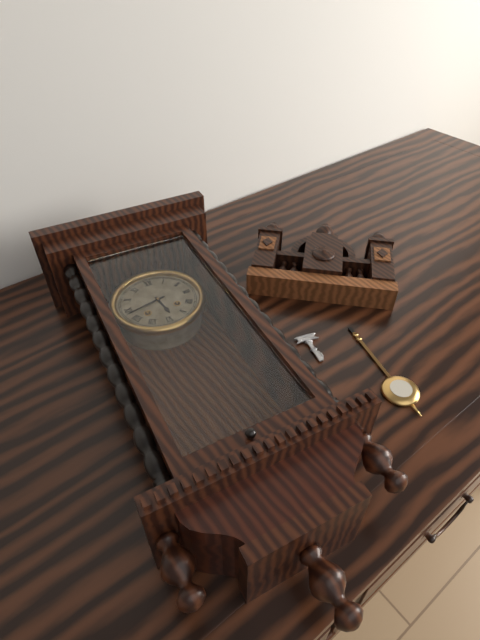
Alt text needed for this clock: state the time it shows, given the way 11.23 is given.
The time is 5.43
